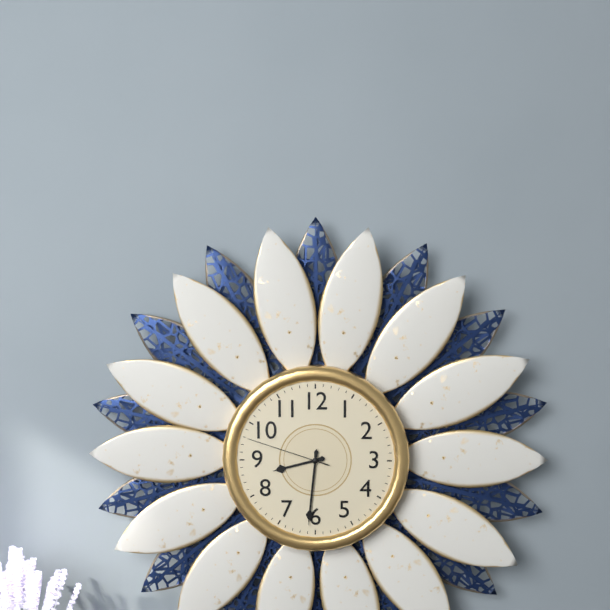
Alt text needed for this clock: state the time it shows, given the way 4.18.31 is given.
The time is 8.31.48
